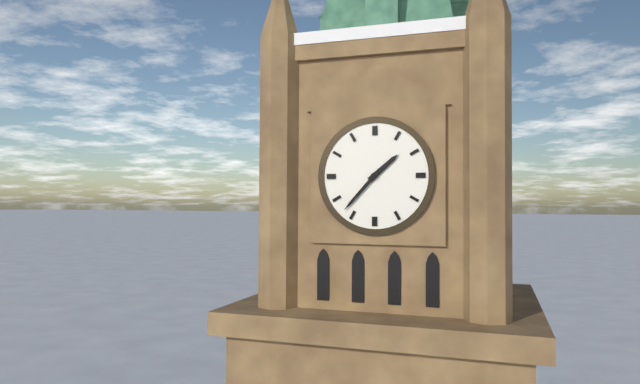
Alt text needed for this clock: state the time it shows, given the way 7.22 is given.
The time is 1.37
